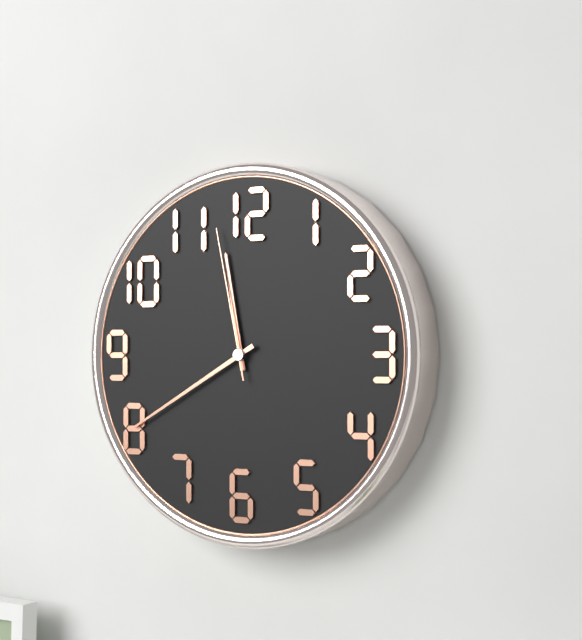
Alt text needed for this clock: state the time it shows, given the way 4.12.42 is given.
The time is 11.40.58
